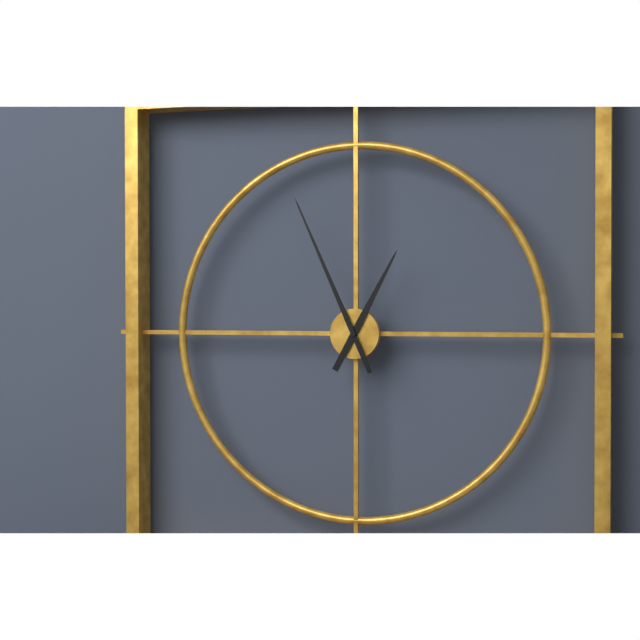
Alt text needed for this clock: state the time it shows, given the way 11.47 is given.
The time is 12.56
